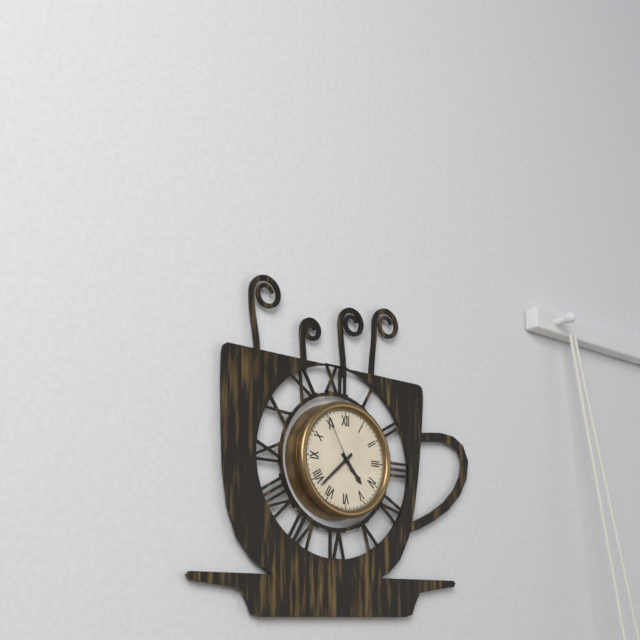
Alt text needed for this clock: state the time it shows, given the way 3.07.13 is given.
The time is 4.38.55
